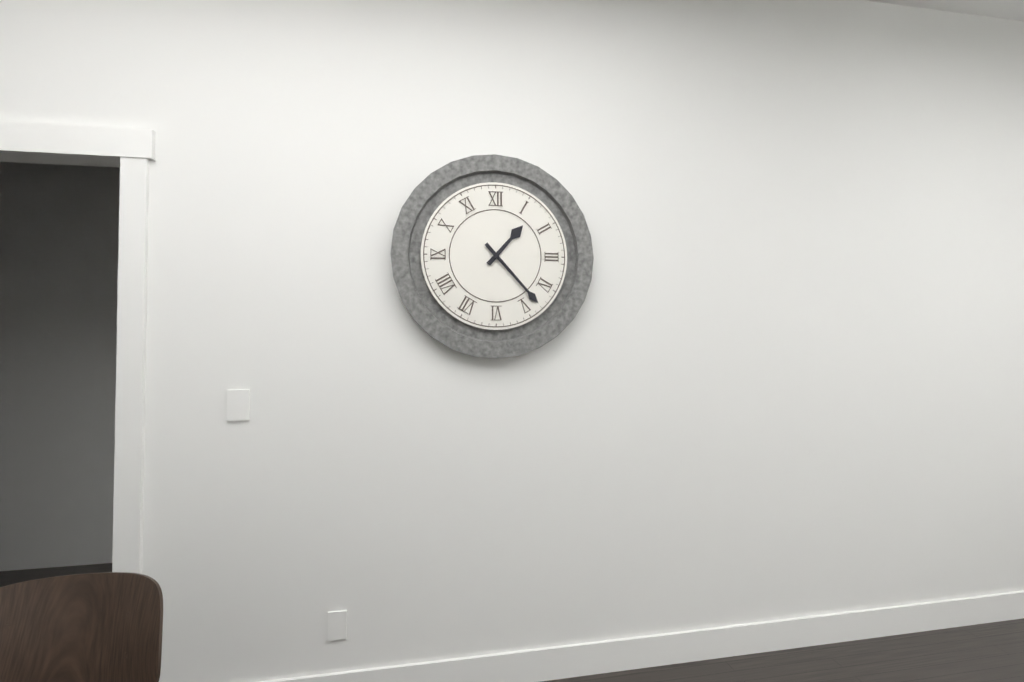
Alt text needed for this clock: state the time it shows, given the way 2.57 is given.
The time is 1.23
